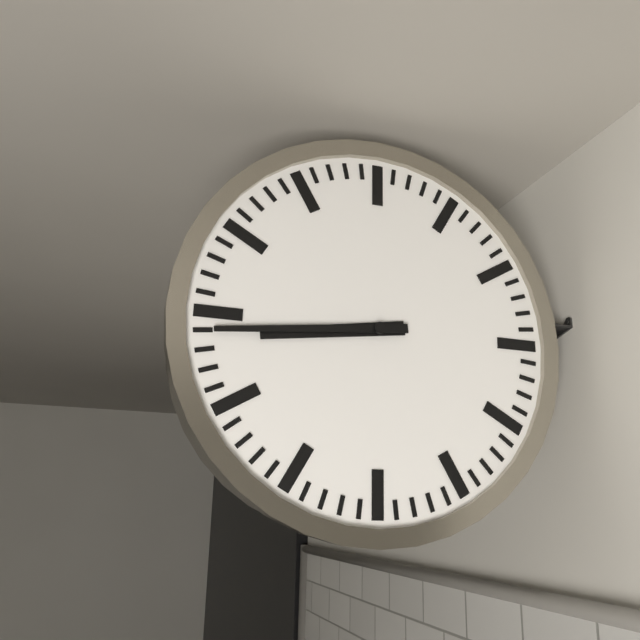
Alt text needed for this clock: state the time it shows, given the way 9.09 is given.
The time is 8.44
